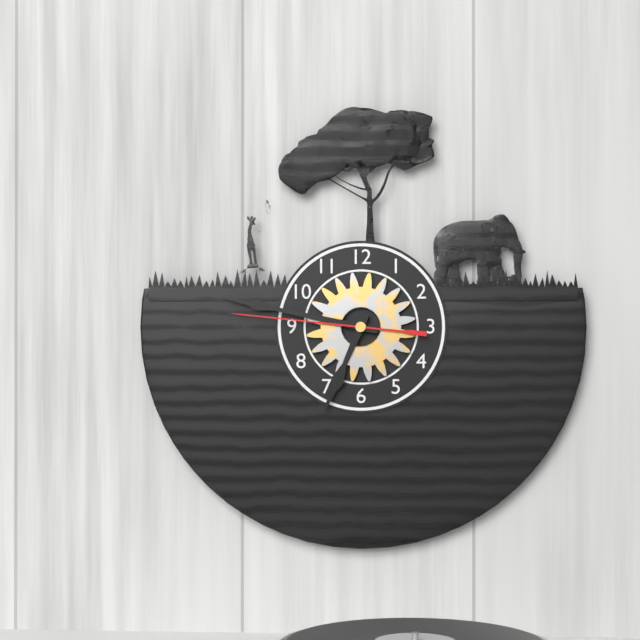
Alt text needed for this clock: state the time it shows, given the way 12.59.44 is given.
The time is 6.47.46
